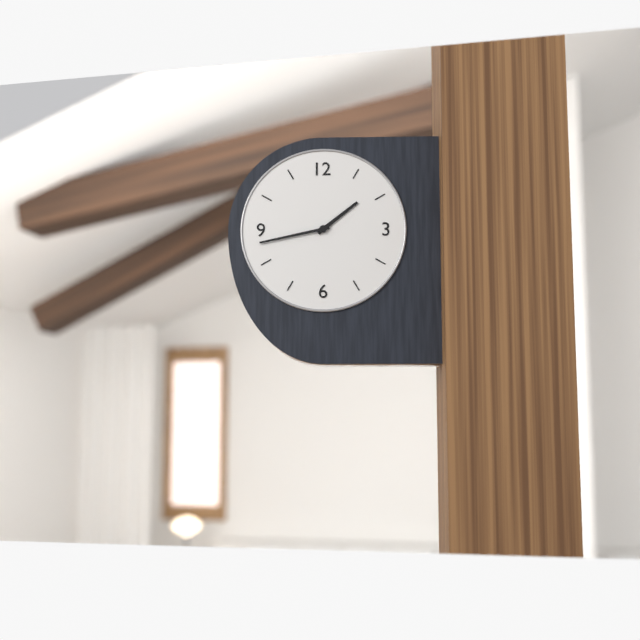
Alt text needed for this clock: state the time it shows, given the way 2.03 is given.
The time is 1.43
